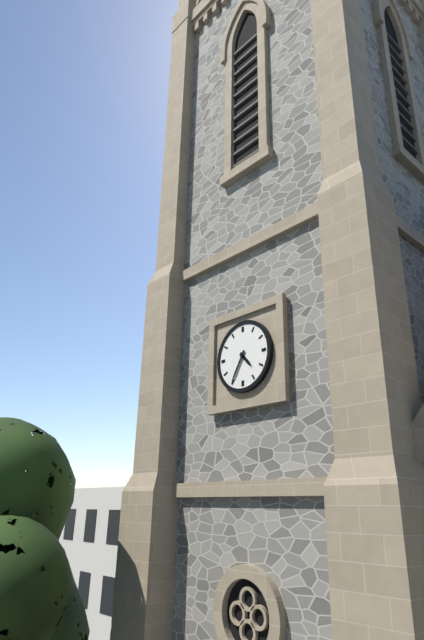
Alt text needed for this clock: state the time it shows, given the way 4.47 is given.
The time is 4.35
